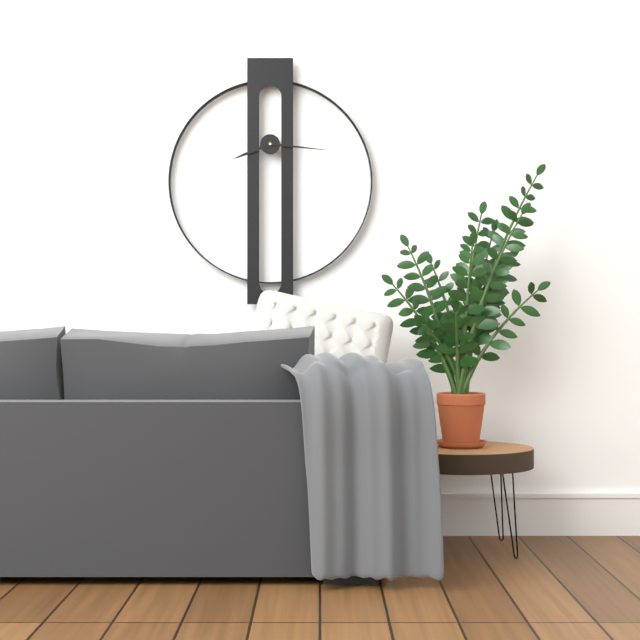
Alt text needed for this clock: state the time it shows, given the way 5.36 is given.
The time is 8.16
